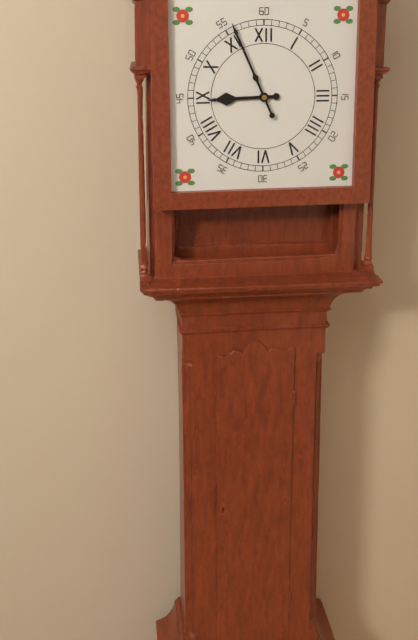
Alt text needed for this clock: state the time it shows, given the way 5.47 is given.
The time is 8.56
